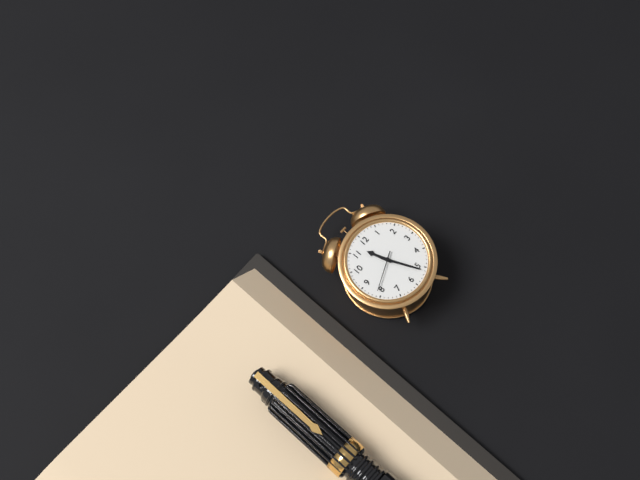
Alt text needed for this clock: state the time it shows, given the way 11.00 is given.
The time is 11.26
